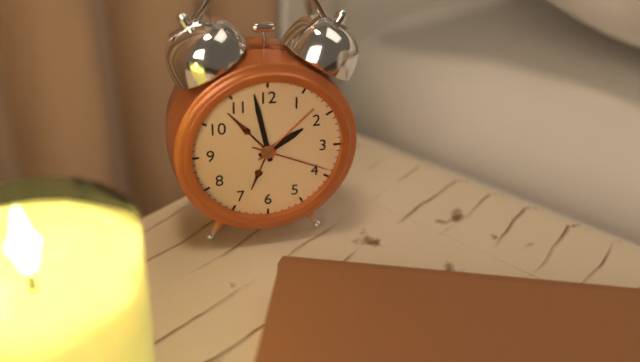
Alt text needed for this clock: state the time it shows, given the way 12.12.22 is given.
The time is 1.58.19
